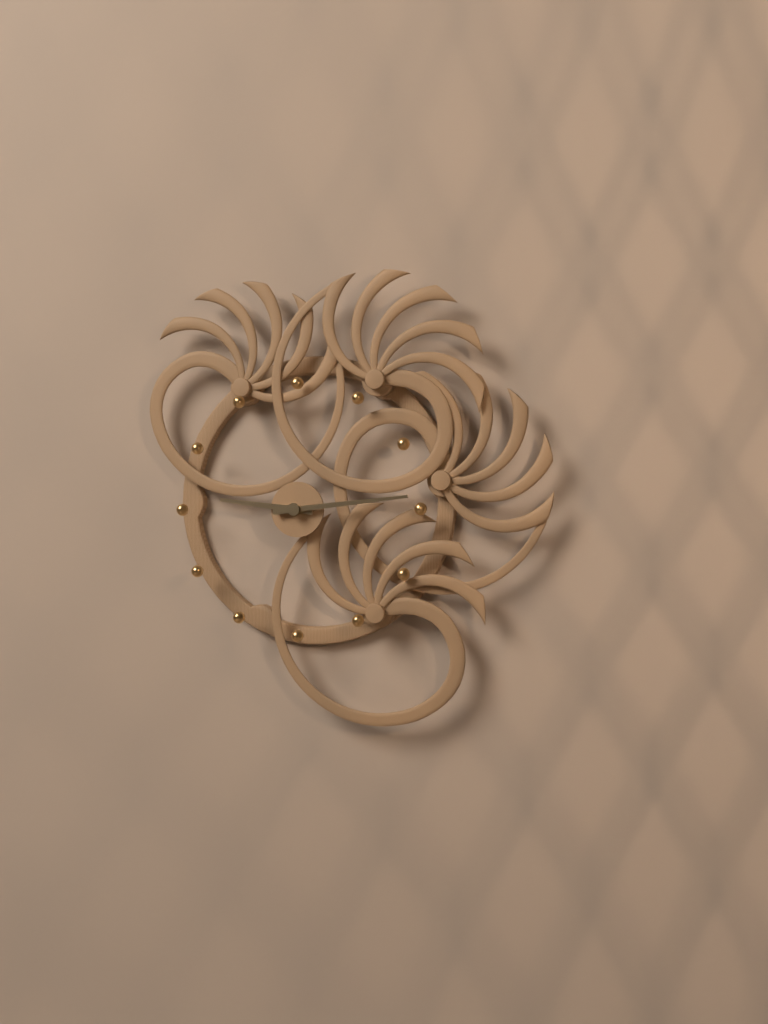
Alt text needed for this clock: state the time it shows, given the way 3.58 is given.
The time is 9.14
